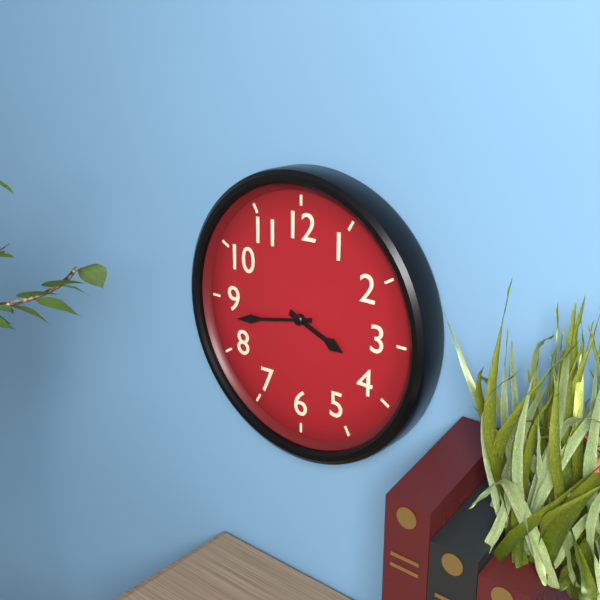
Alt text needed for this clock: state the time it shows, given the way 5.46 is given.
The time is 3.43
